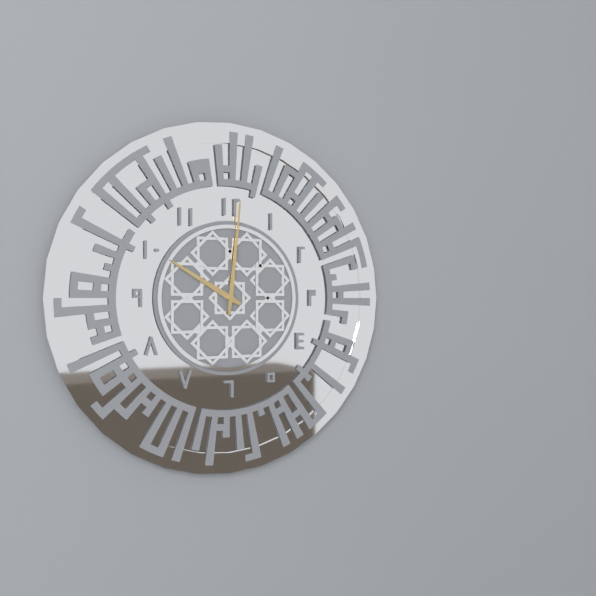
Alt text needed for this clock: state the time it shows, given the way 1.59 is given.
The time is 10.01
